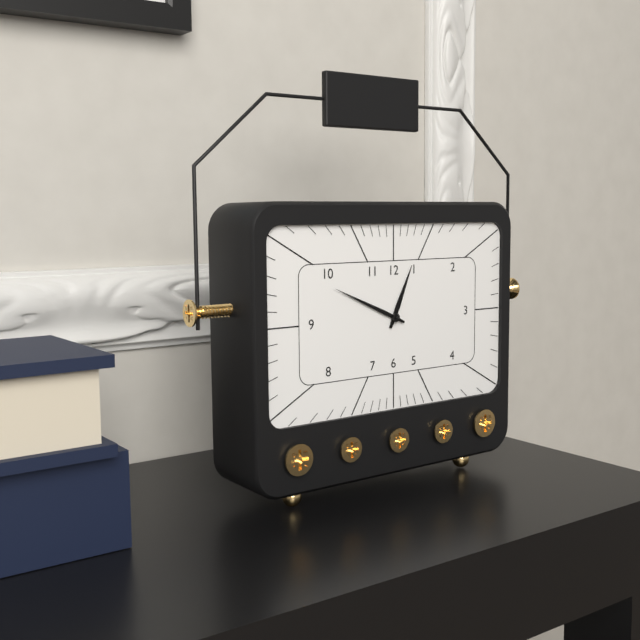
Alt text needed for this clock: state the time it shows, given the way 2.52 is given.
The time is 12.49
